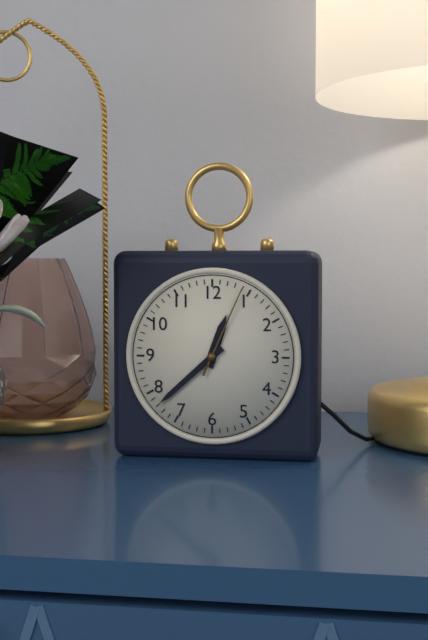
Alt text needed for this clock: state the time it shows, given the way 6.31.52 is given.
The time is 12.38.04
